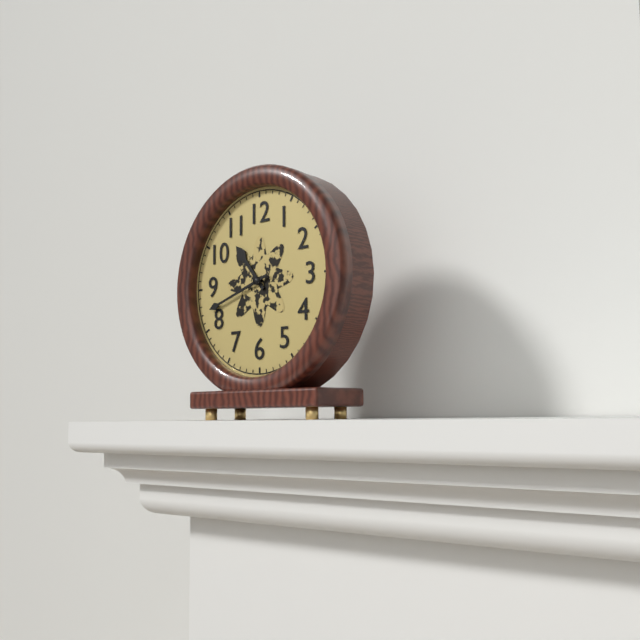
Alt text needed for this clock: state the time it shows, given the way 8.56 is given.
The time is 10.42
